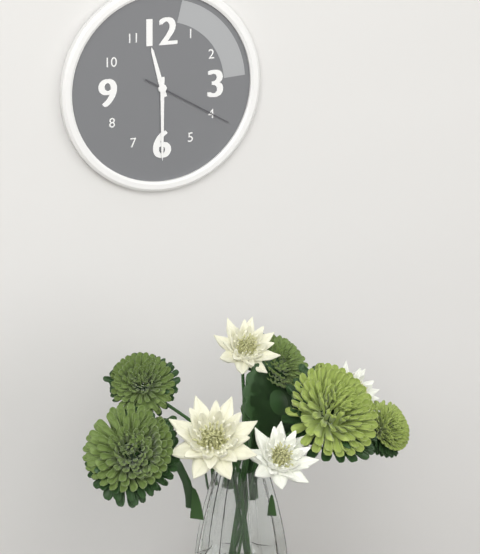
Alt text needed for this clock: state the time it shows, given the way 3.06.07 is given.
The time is 11.30.20
